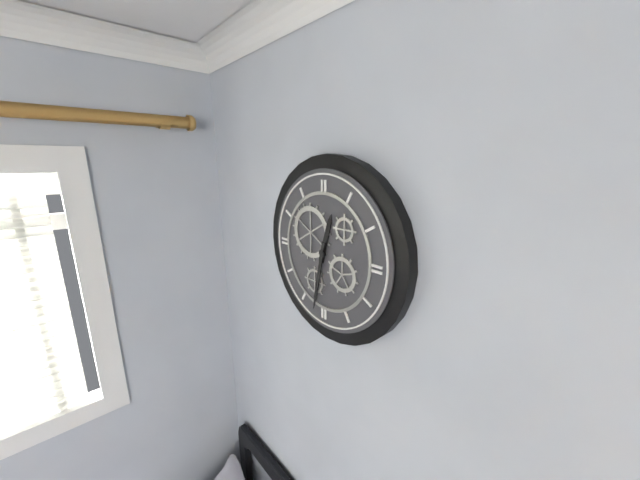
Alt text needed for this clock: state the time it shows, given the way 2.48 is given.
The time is 12.32
